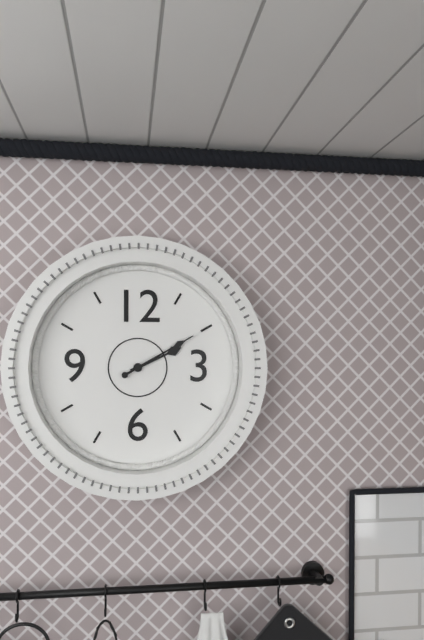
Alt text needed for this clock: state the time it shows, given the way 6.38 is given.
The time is 2.10
